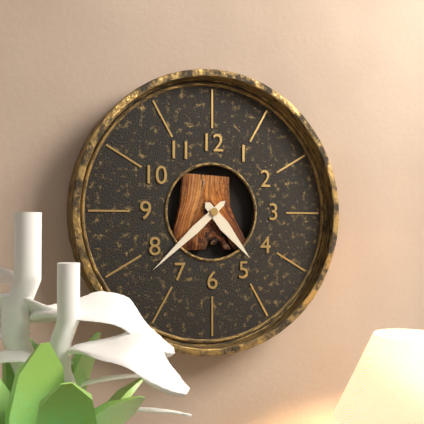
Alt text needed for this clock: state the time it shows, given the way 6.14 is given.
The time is 4.38
